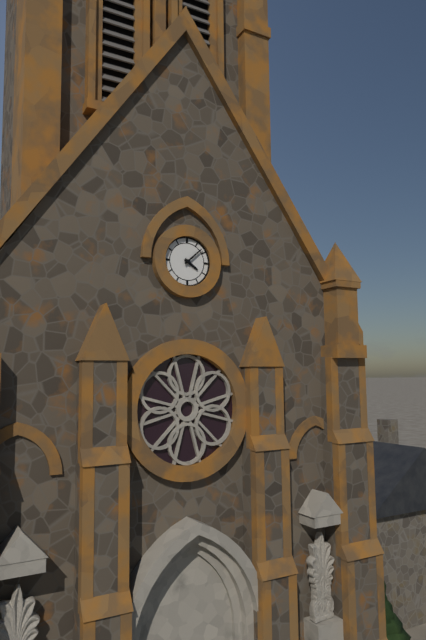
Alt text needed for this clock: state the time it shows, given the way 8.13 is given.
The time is 4.08
